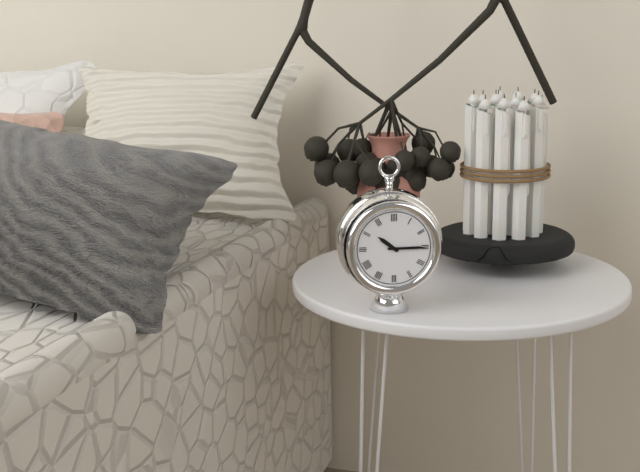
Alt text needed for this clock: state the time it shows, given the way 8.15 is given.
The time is 10.15
